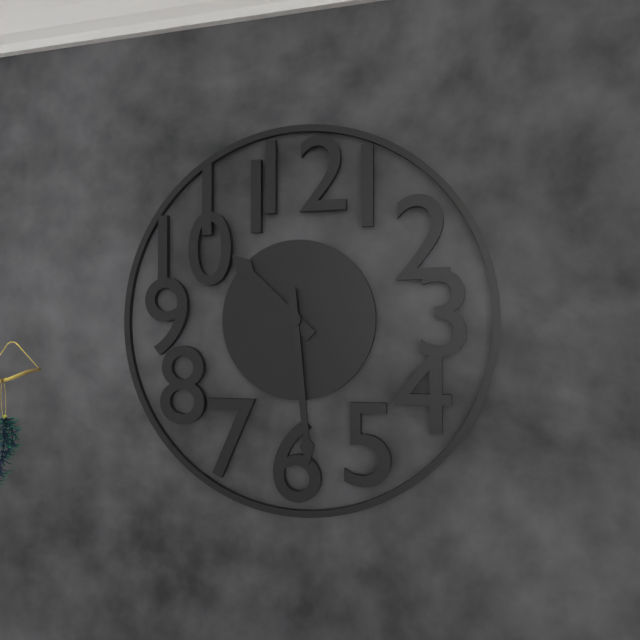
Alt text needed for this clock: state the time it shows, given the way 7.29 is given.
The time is 10.29
